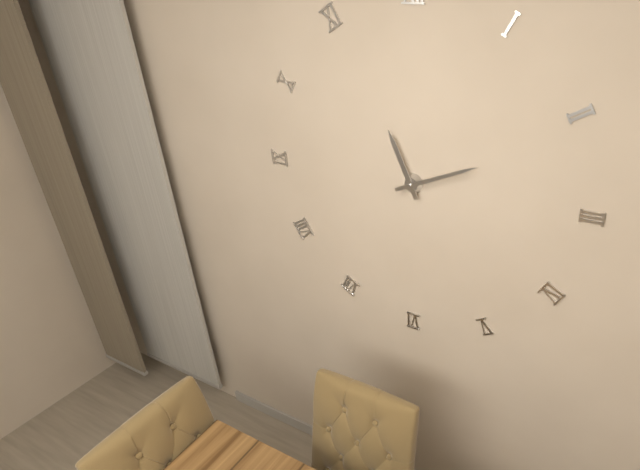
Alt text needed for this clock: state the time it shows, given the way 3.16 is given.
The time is 11.11
